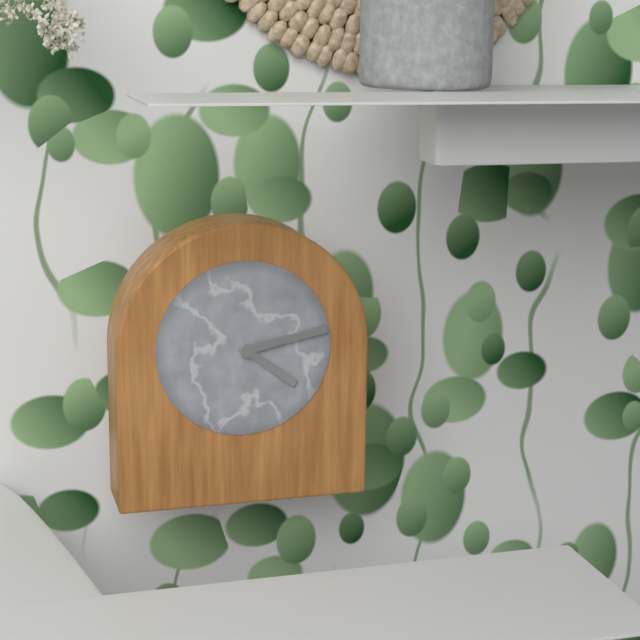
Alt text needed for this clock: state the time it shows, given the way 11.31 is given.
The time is 4.13
